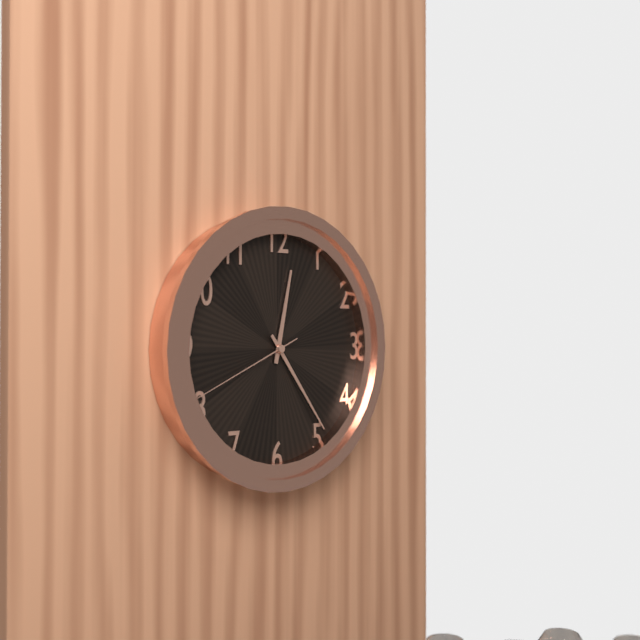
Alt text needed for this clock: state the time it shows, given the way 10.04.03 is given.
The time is 12.24.41
